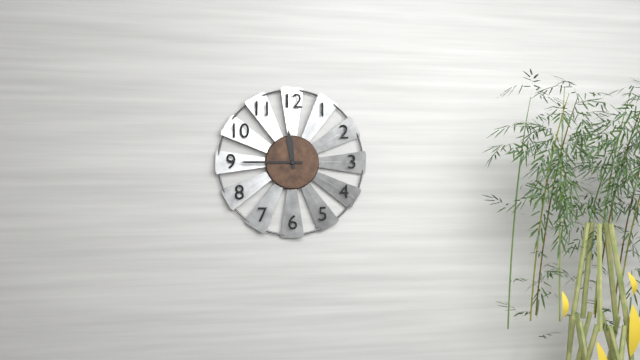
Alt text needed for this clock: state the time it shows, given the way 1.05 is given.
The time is 11.45
